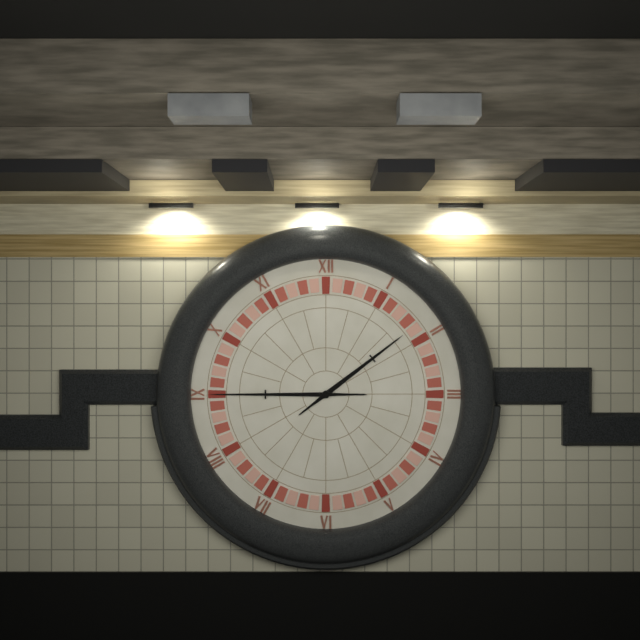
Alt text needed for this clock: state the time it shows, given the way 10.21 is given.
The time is 1.45
